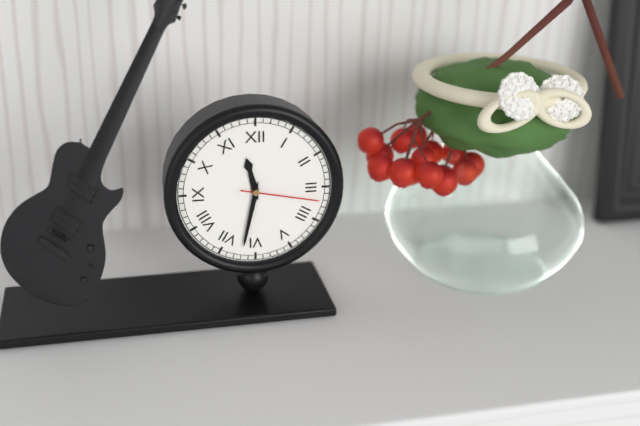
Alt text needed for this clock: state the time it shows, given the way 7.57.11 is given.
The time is 11.32.17
